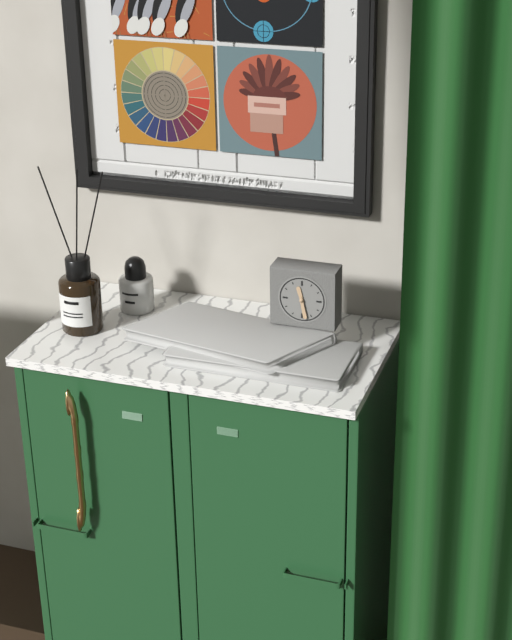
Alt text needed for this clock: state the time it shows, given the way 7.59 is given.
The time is 11.28
